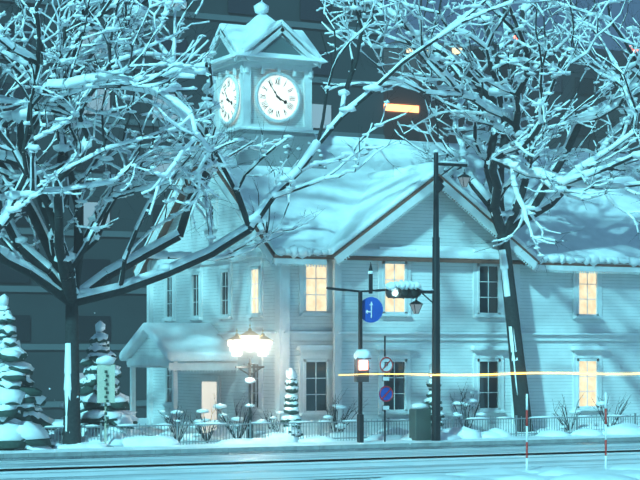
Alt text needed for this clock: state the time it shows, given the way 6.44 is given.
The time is 3.54
